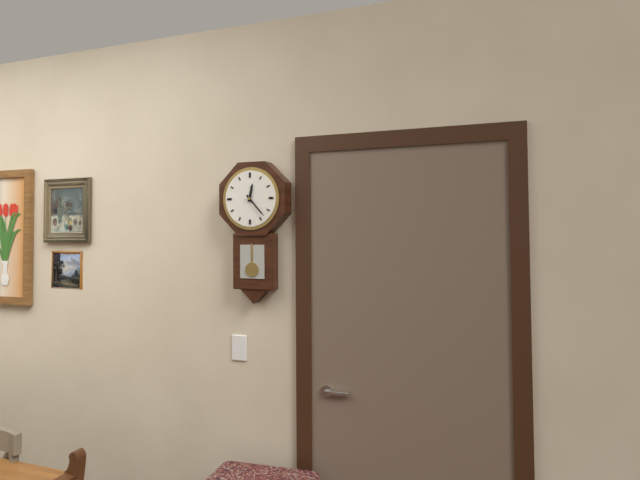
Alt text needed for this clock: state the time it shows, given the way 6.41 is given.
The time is 12.23
